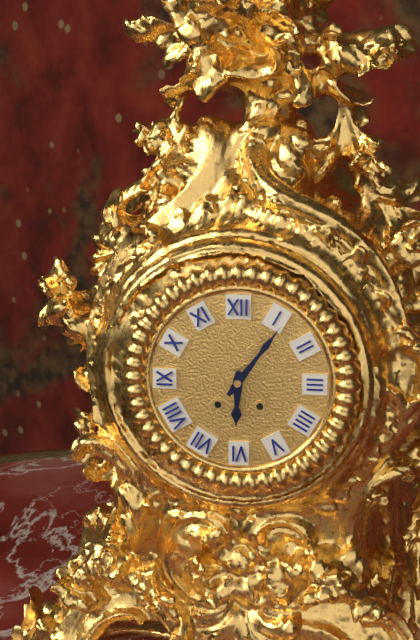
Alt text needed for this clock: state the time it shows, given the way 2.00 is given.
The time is 6.06
